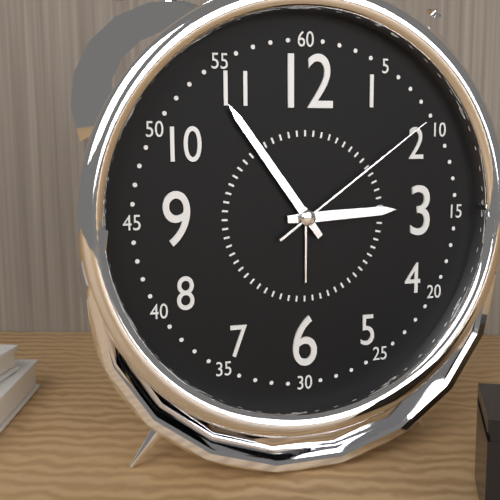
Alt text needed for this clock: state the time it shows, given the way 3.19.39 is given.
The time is 2.54.09
